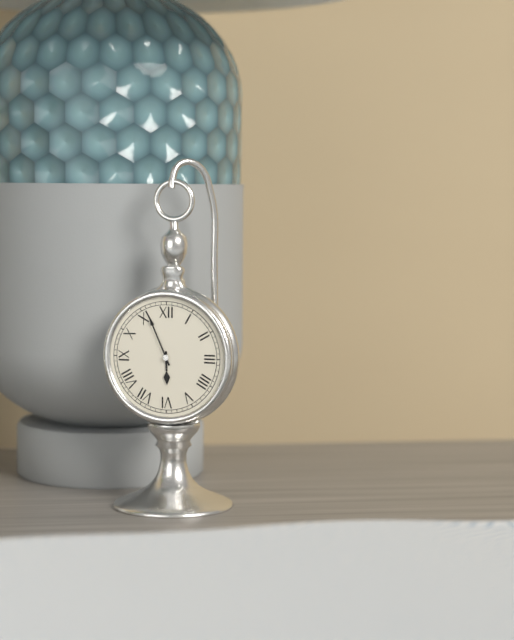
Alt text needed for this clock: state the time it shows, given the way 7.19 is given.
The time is 5.56
